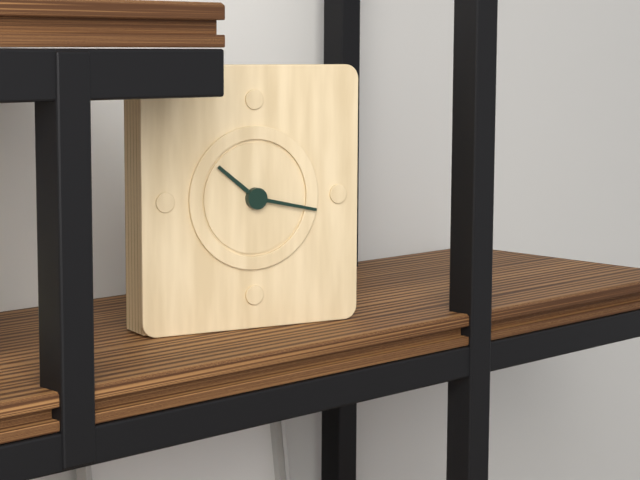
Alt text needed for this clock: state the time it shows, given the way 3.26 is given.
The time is 10.17
